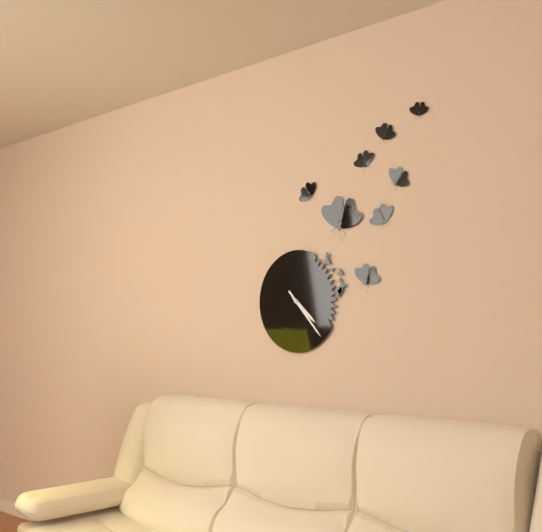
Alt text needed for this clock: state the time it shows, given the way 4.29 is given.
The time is 4.23
